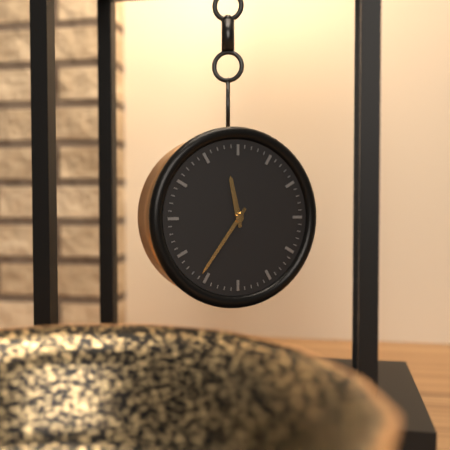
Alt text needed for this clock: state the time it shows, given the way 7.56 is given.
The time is 11.36
